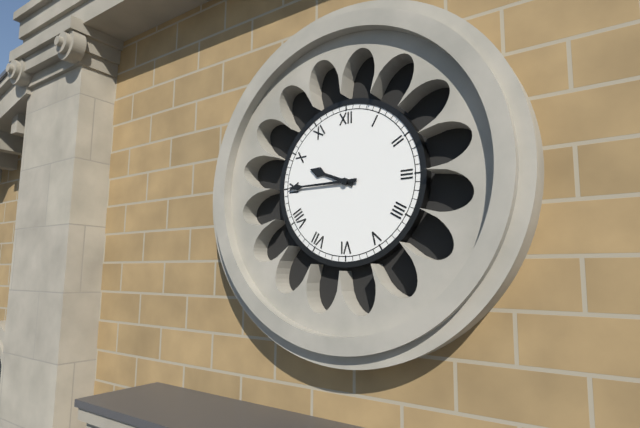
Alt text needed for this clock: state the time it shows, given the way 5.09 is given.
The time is 9.45
